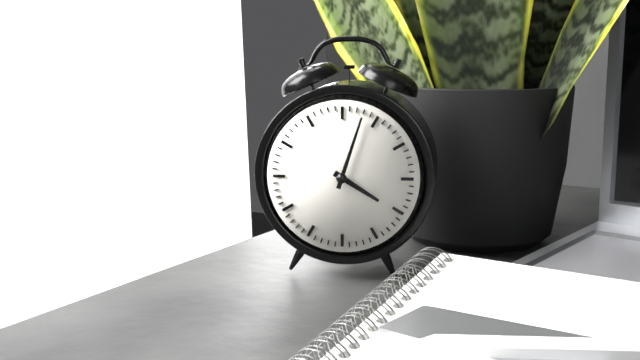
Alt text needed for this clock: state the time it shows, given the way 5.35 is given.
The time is 4.03
